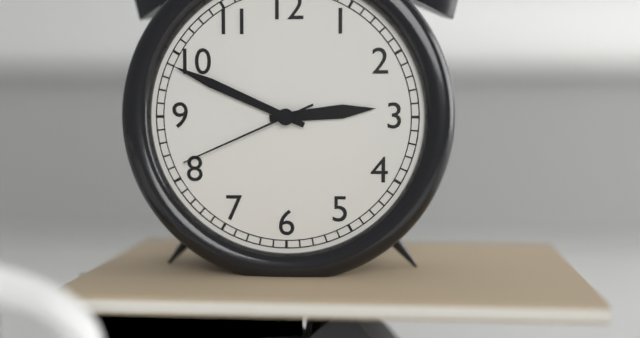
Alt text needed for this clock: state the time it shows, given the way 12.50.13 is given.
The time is 2.49.41
